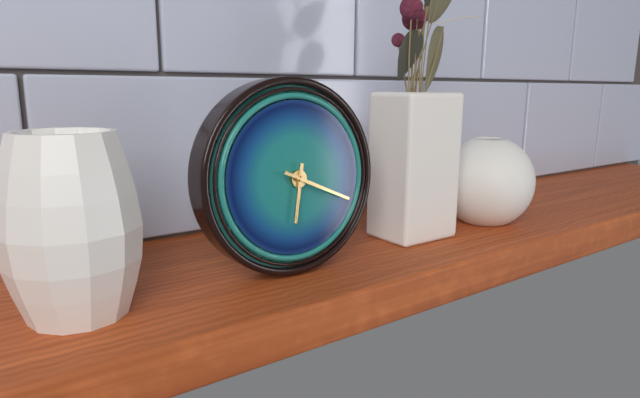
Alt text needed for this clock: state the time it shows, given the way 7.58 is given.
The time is 6.19
